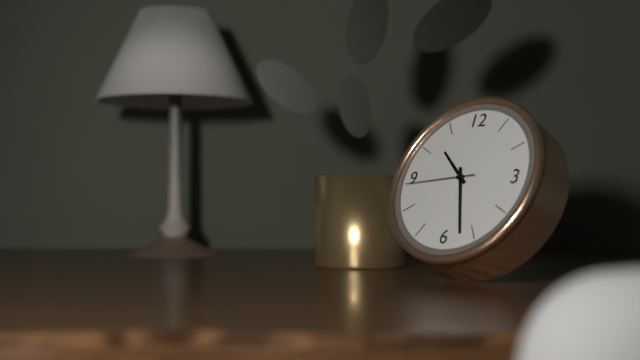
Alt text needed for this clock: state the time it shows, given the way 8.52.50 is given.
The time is 10.27.44
